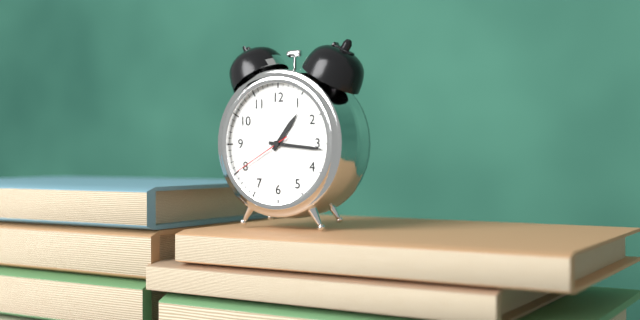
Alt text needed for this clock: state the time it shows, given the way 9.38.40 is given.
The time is 1.16.40
